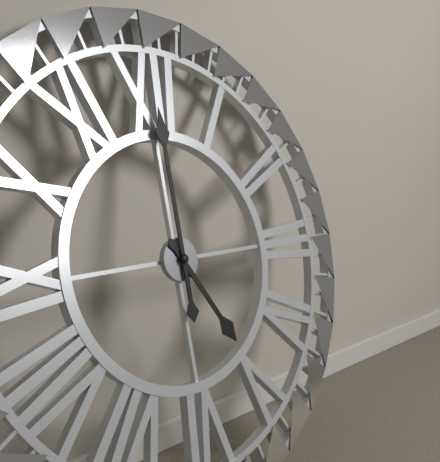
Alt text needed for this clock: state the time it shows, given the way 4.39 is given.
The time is 5.00
